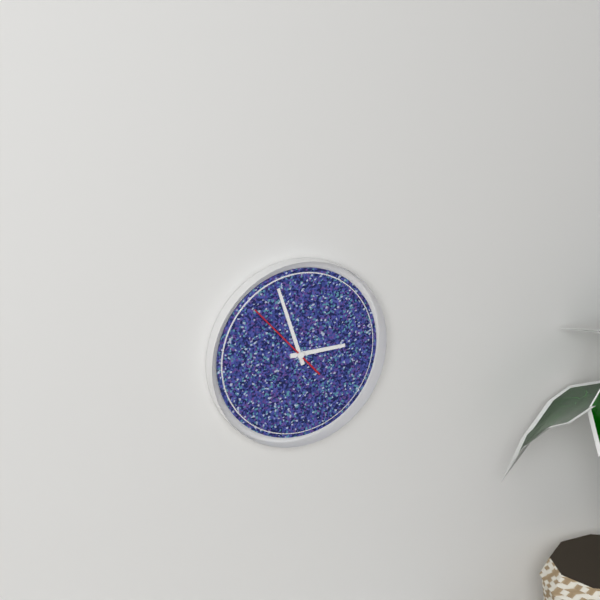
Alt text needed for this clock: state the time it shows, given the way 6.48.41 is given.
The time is 2.57.53
